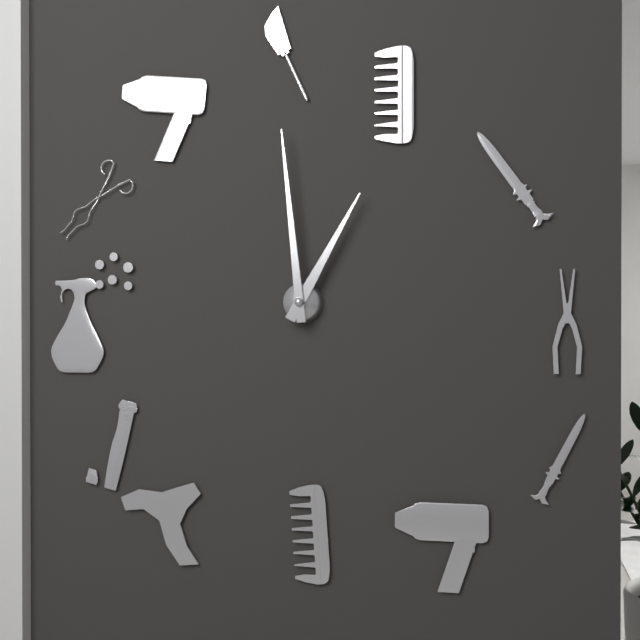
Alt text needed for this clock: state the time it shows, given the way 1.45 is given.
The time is 12.59
